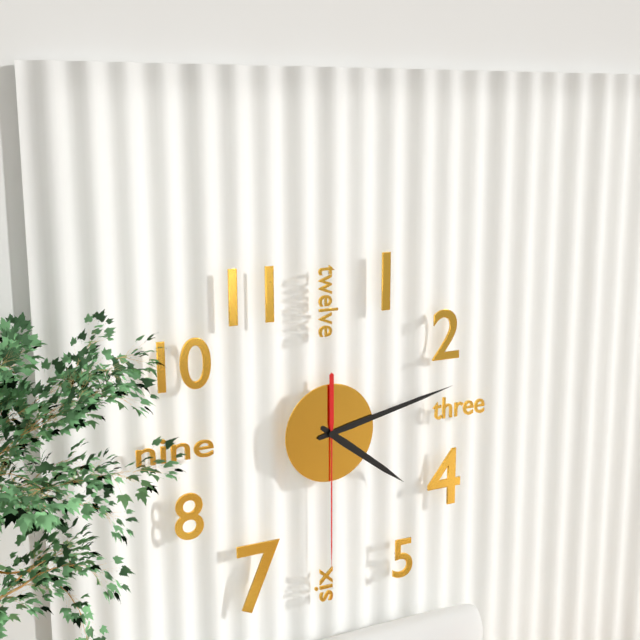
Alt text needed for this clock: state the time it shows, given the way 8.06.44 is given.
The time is 4.13.30
